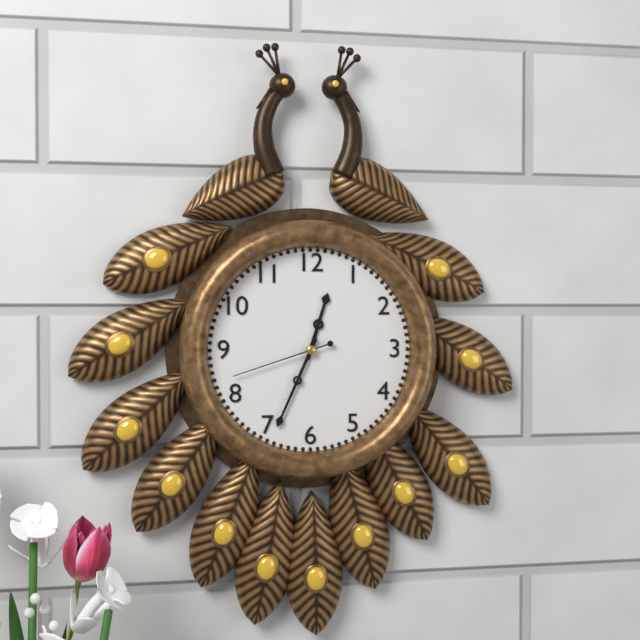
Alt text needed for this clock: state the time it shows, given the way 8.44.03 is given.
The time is 12.34.42
